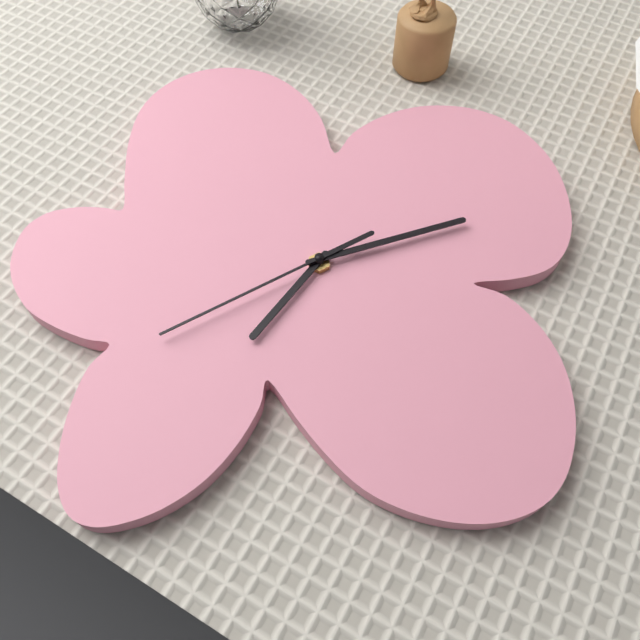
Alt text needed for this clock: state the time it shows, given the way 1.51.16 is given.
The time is 7.12.40
